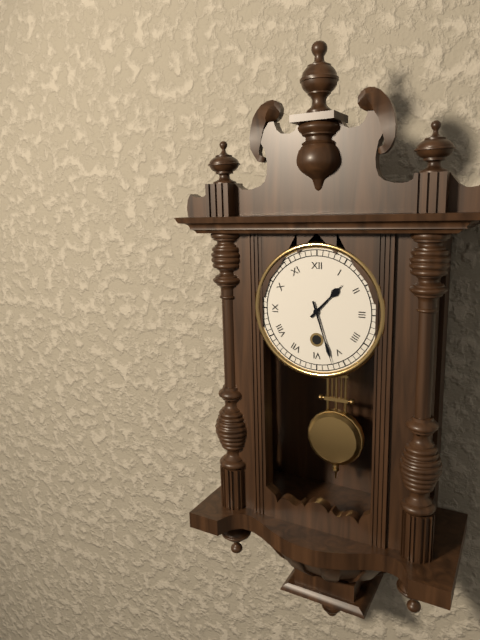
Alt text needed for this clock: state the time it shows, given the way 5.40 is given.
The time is 1.27
